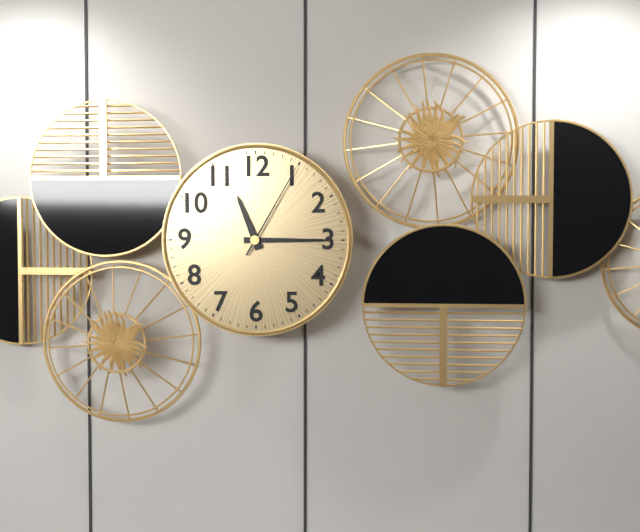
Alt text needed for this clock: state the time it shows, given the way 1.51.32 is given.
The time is 11.15.05
